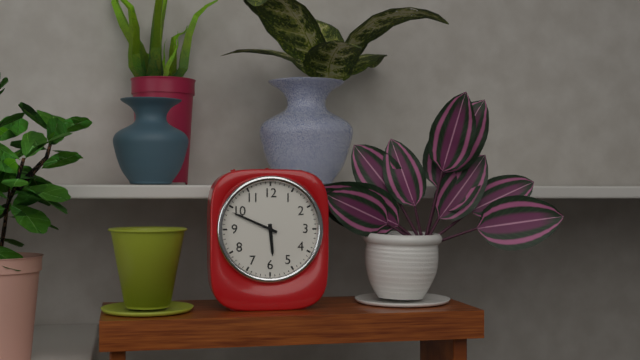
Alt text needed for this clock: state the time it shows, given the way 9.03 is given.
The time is 5.49
